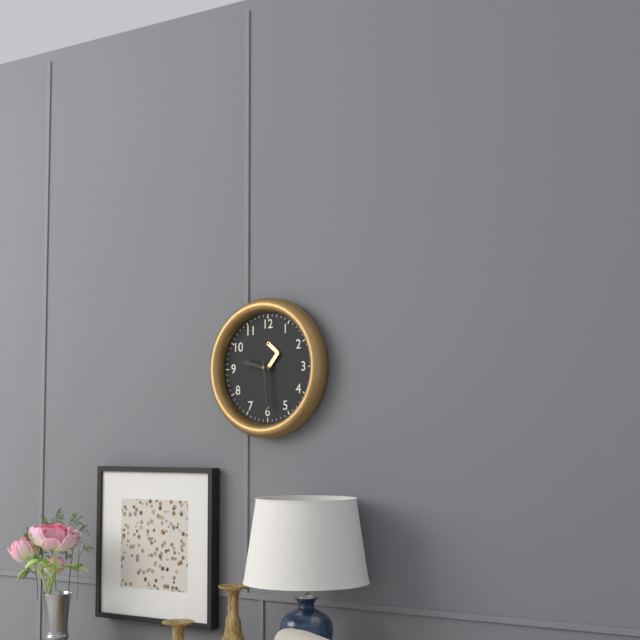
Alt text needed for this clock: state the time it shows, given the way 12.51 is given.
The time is 9.29
